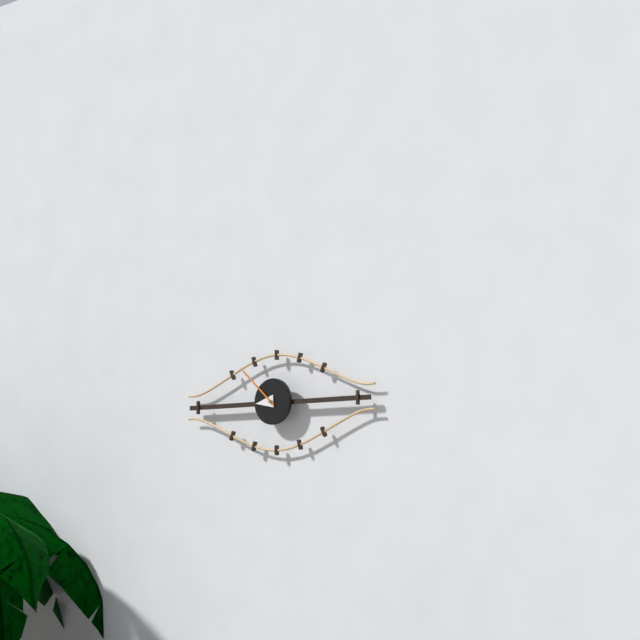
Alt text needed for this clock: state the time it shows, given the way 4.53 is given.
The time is 8.52
